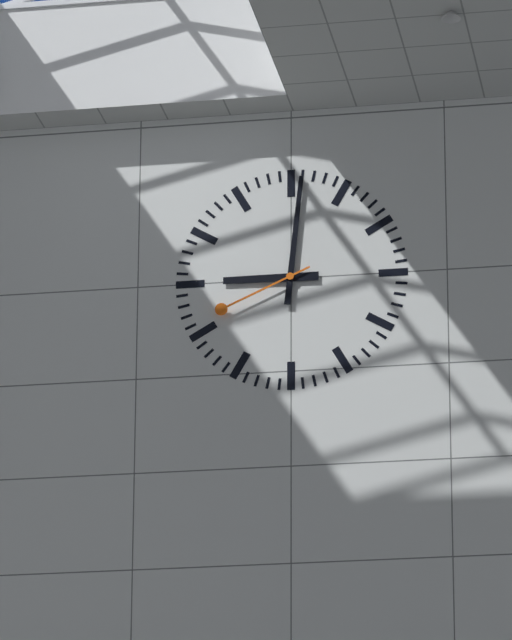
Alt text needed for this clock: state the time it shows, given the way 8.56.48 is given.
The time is 9.01.41
